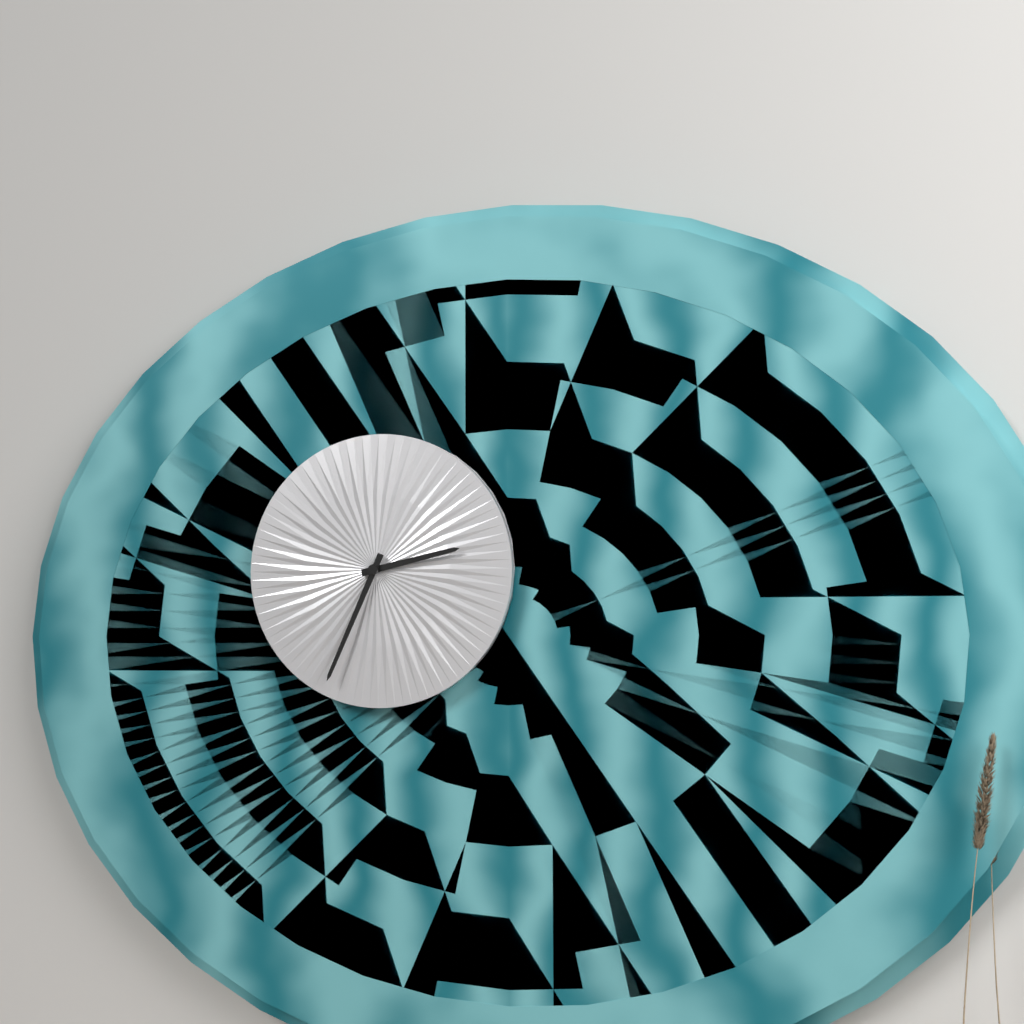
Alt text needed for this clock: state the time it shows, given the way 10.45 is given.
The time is 2.34
